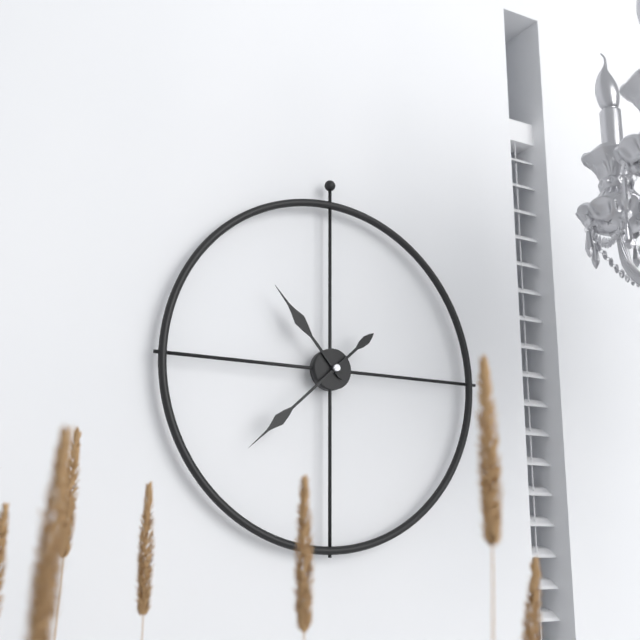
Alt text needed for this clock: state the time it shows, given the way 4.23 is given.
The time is 10.38
